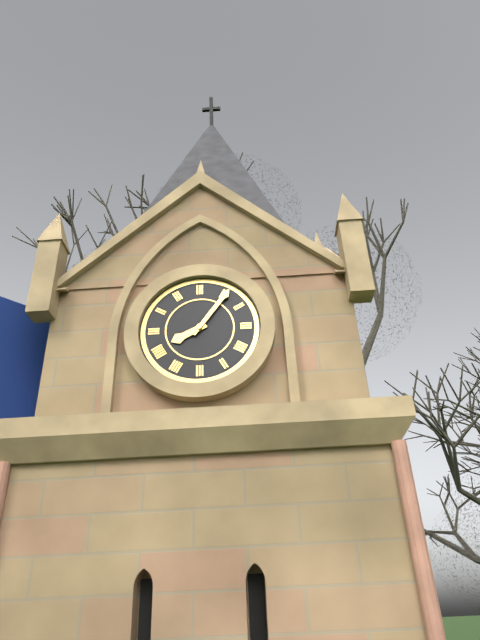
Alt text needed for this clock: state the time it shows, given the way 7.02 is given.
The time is 8.06
